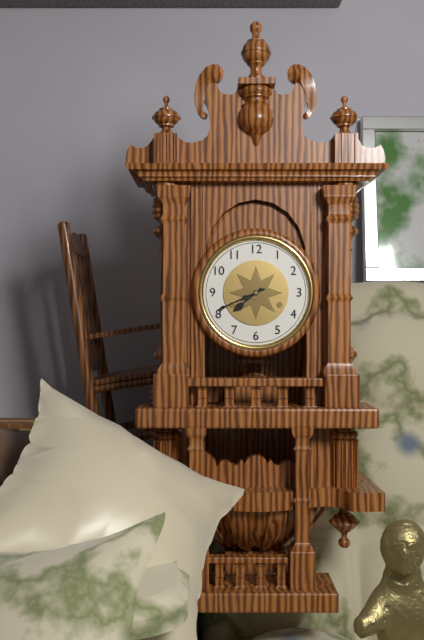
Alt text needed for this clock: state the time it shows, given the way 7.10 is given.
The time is 7.41
